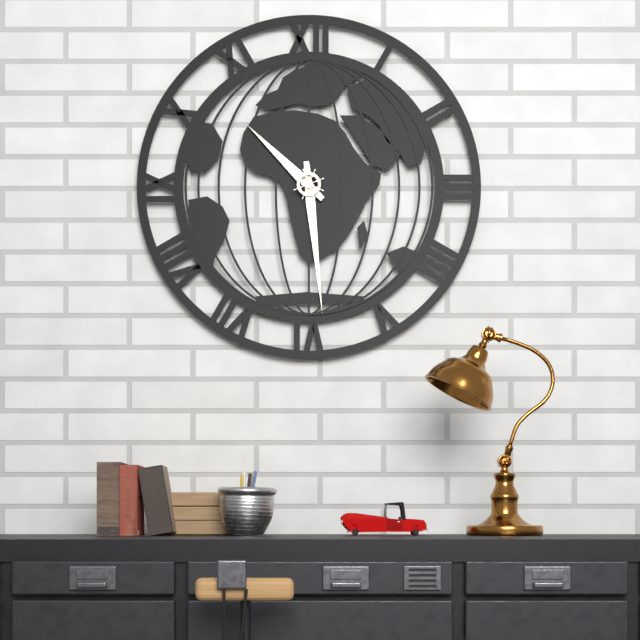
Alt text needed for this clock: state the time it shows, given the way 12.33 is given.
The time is 10.29
